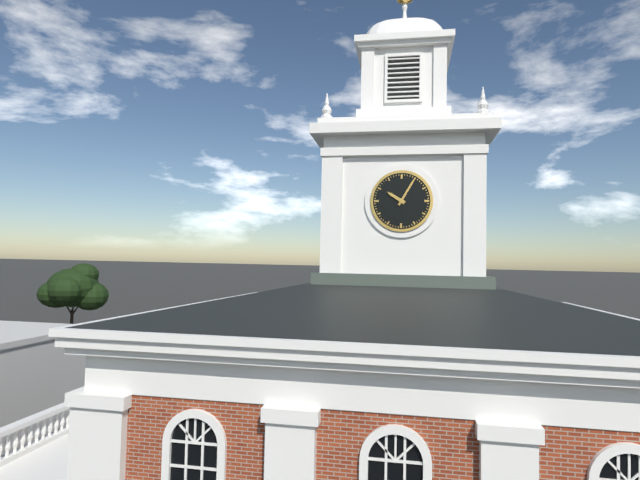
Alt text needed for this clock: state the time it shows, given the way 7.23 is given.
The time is 10.05
